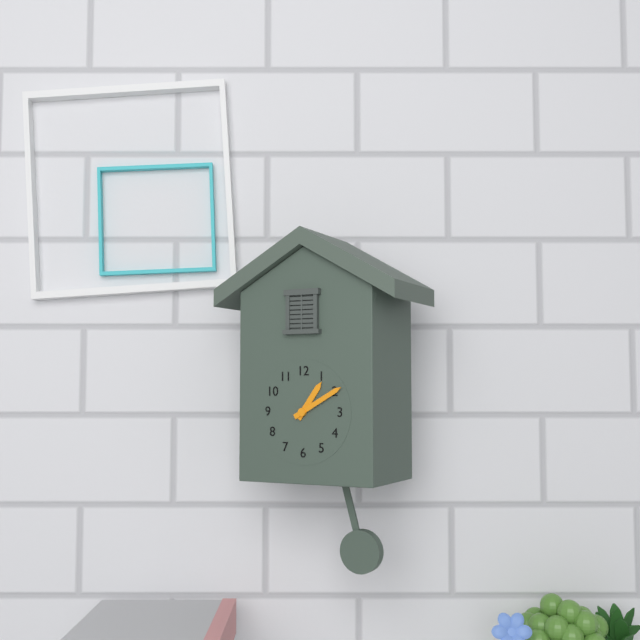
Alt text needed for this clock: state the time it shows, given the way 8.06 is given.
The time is 1.10
